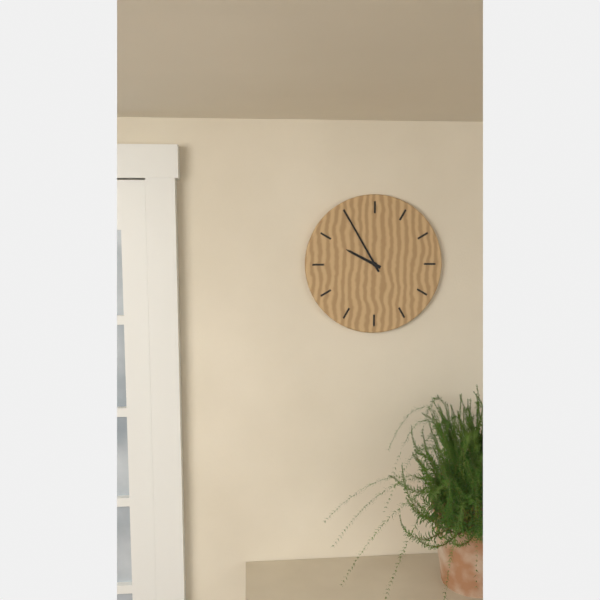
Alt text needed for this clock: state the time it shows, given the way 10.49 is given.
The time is 9.55
